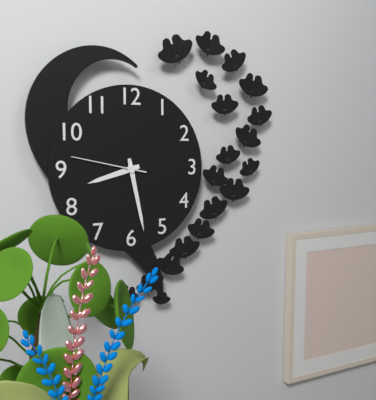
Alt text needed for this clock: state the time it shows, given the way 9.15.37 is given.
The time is 8.28.47
